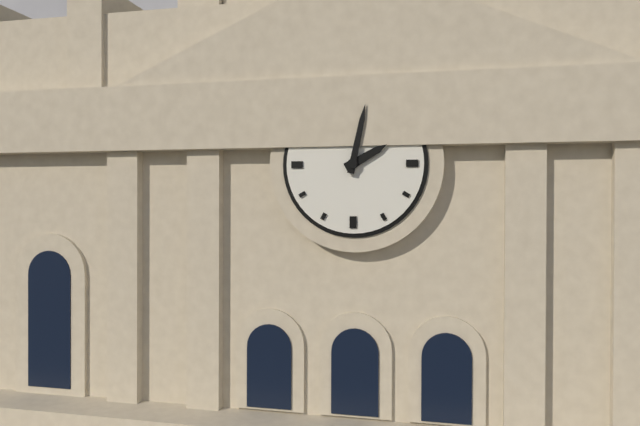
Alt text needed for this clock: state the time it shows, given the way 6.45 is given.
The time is 2.02
